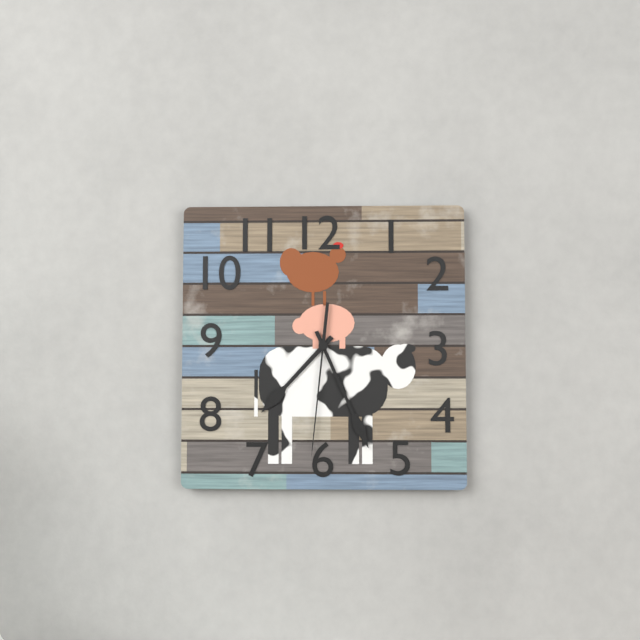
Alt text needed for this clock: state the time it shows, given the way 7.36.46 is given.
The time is 7.26.31
